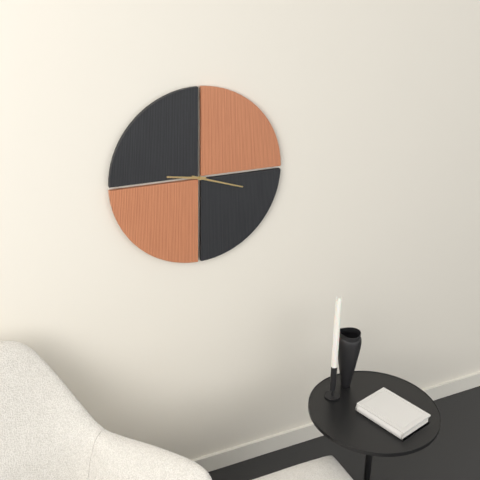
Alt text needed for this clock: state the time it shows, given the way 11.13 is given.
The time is 9.18
